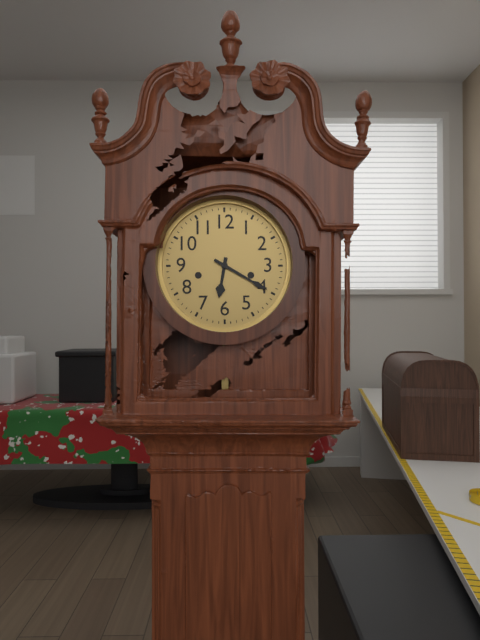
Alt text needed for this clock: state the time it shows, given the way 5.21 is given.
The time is 6.20
